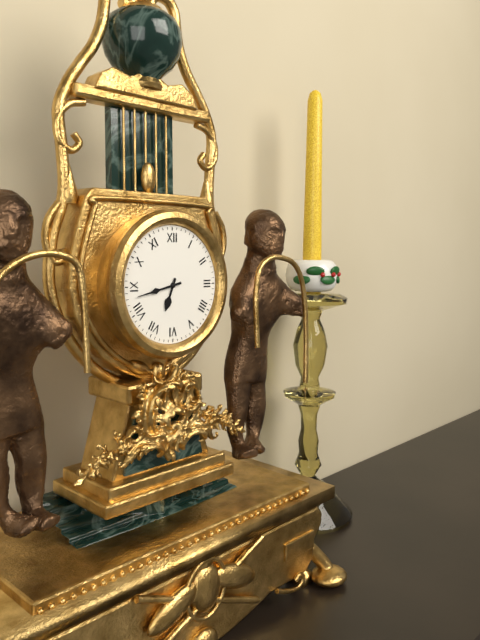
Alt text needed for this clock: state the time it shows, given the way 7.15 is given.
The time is 6.43
